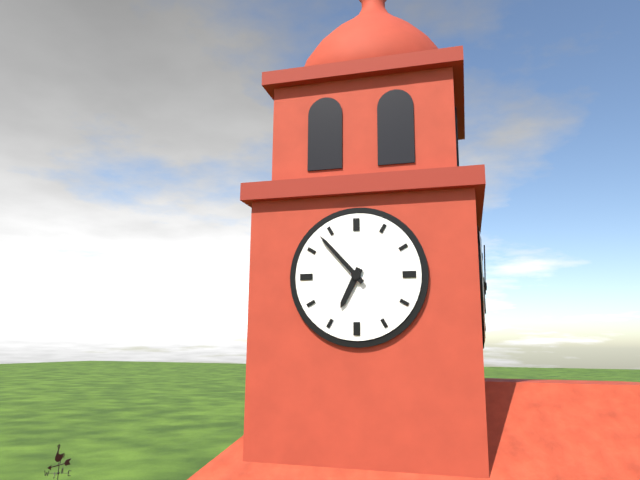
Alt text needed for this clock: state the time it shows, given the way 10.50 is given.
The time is 6.53
